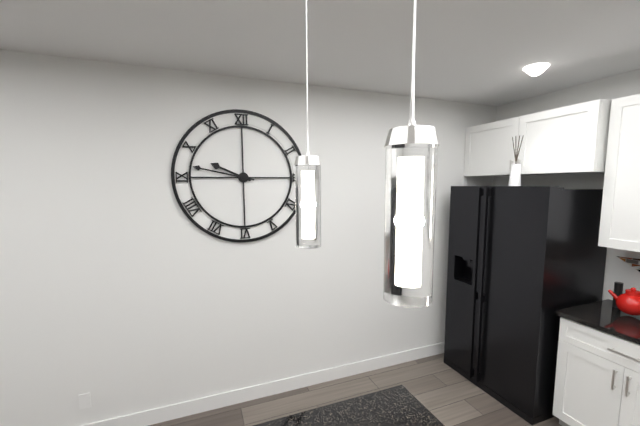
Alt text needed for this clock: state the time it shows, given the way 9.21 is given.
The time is 9.47
